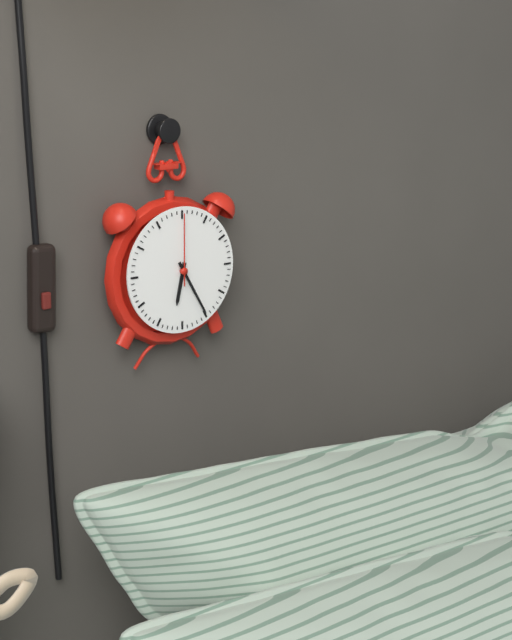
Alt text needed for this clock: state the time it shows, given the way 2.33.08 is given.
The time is 6.25.00
